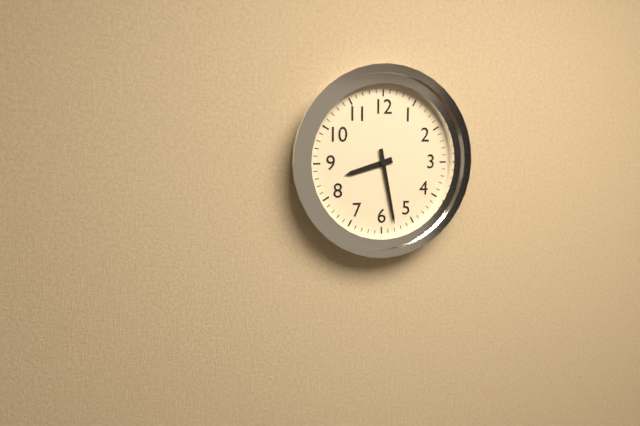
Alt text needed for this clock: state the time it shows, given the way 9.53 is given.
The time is 8.28
